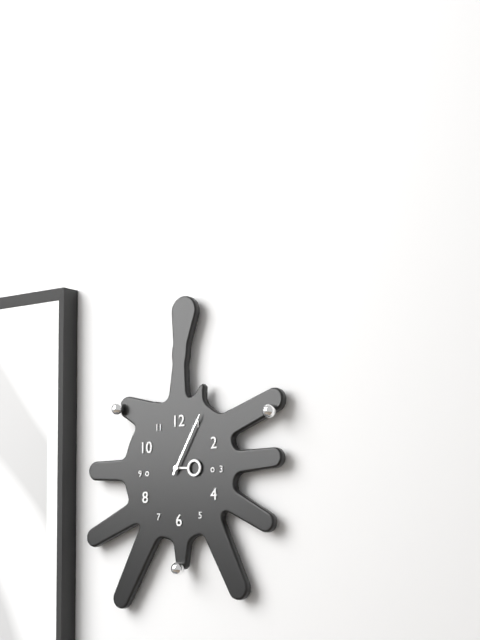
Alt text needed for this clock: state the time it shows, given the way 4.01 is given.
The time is 3.05
